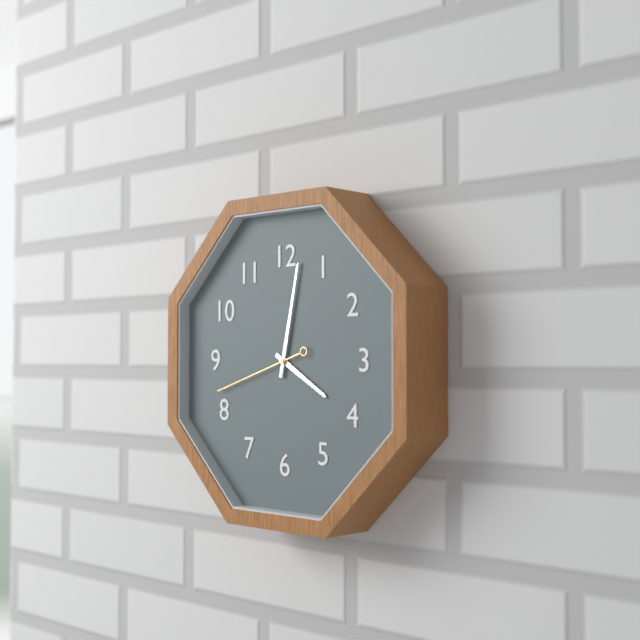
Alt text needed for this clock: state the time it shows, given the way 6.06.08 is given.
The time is 4.02.42
